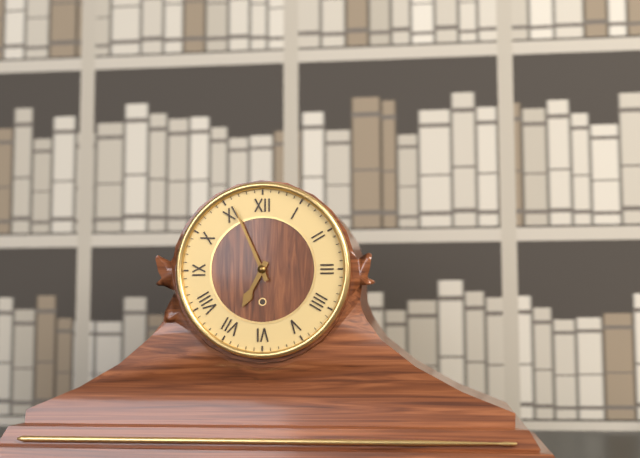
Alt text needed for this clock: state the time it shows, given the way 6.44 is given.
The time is 6.56
